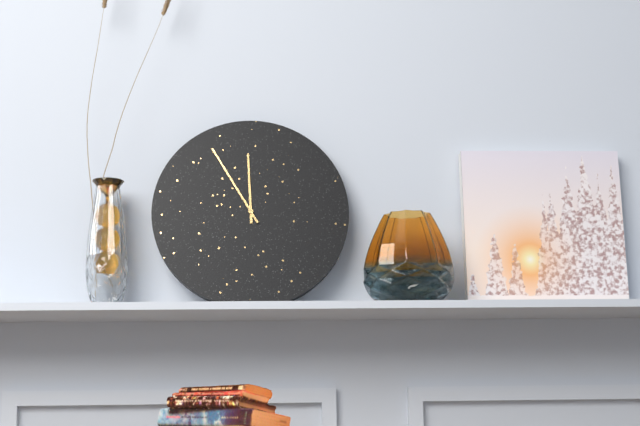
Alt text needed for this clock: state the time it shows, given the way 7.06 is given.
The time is 11.55
